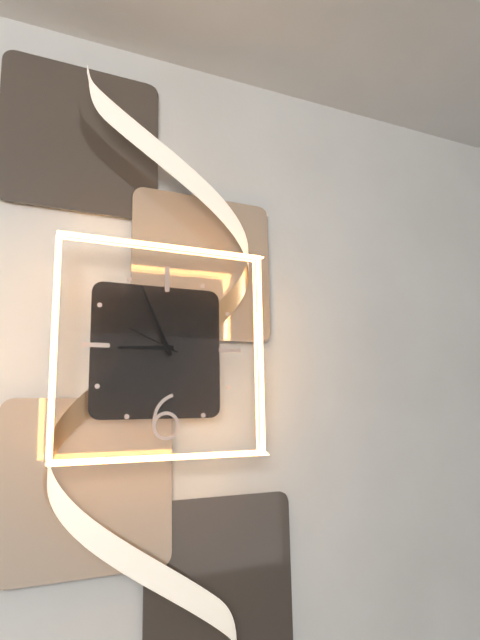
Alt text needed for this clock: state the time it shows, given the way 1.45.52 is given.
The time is 8.56.49
